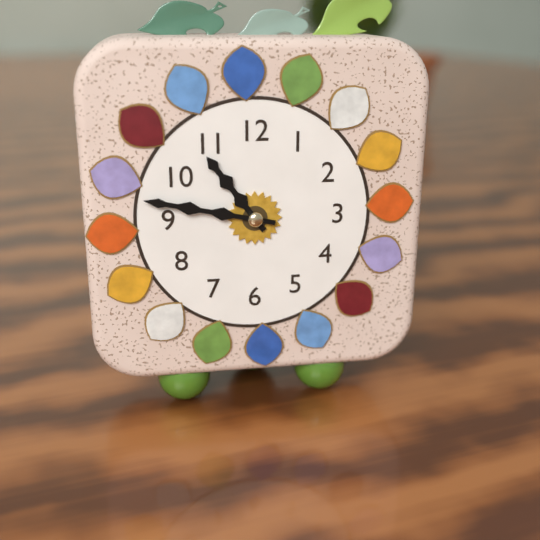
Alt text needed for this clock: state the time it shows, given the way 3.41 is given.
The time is 10.47
